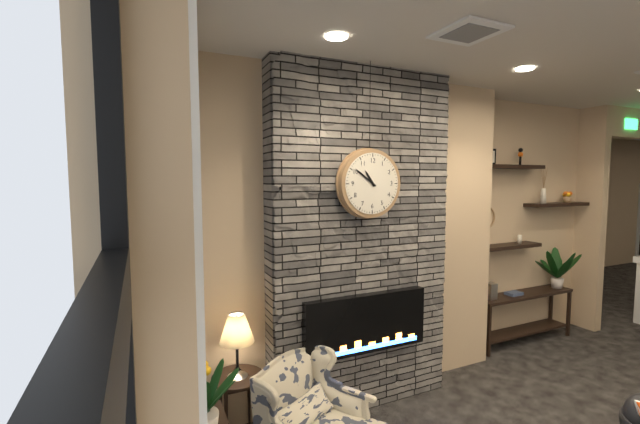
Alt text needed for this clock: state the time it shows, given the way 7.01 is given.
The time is 10.51
